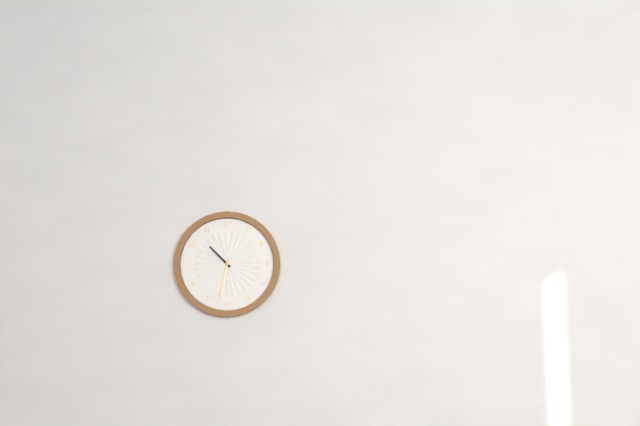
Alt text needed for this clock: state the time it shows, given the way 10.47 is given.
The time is 10.32
